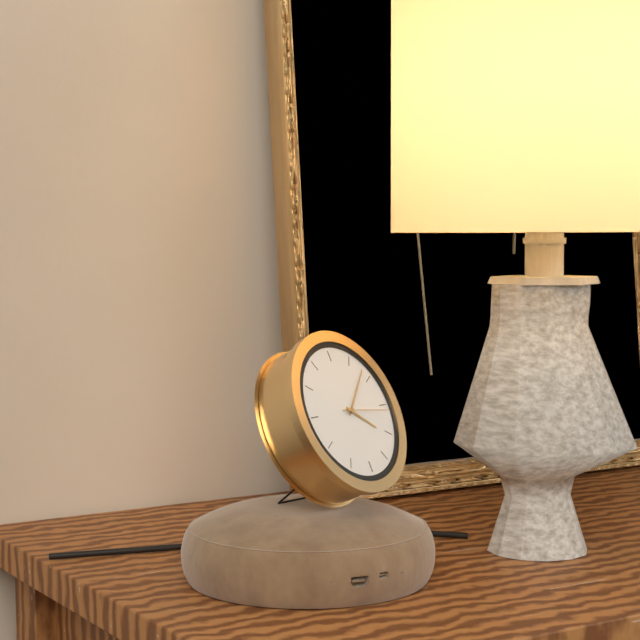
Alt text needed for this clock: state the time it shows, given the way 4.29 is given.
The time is 4.08
